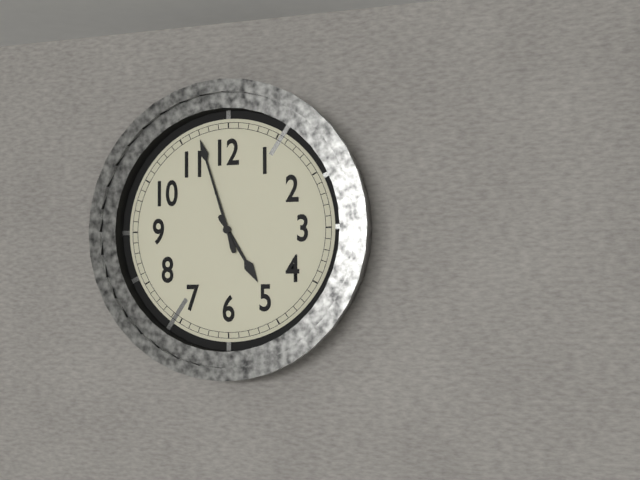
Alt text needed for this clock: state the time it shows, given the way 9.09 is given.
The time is 4.57
